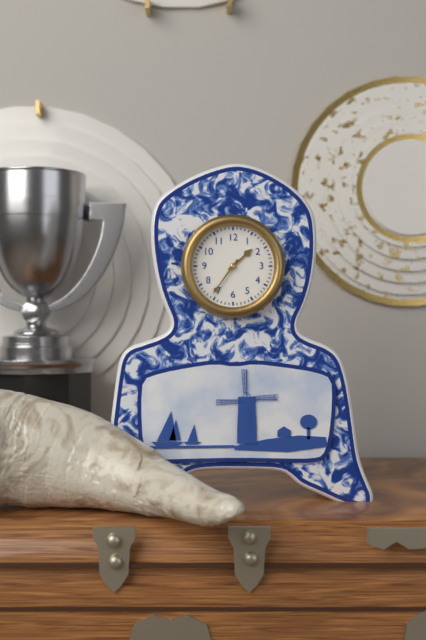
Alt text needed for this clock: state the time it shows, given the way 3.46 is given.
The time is 1.36
